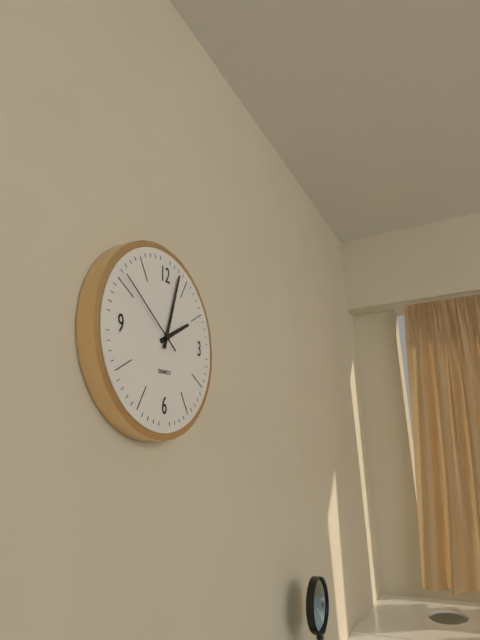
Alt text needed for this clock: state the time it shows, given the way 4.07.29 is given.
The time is 2.03.51
